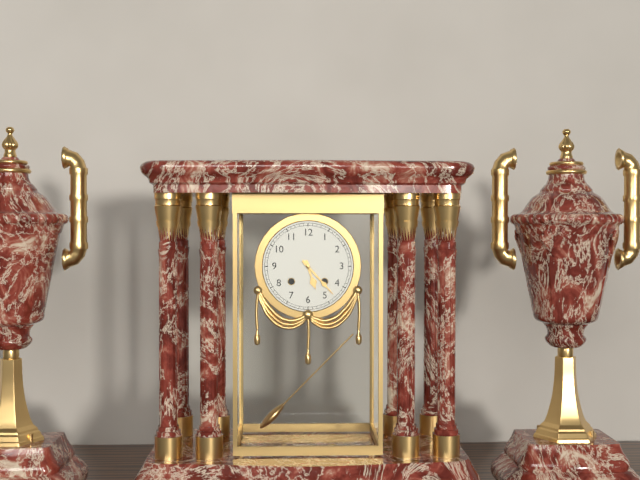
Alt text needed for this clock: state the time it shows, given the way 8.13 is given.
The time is 5.23
